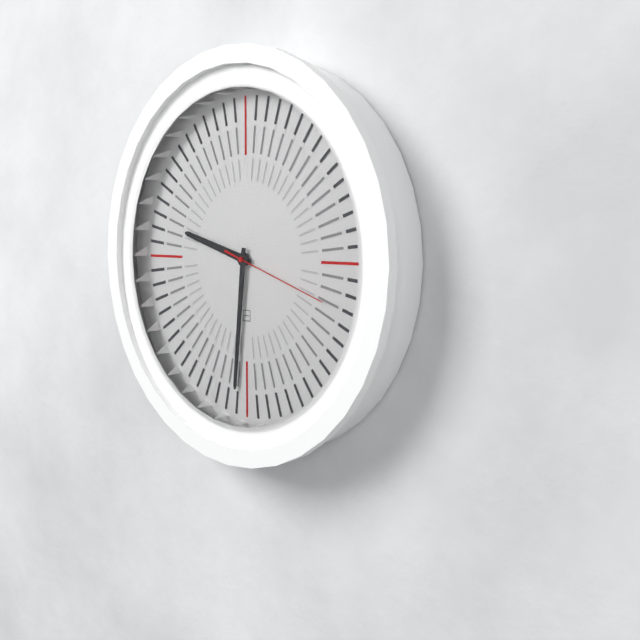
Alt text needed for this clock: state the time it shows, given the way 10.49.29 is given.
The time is 9.31.18
